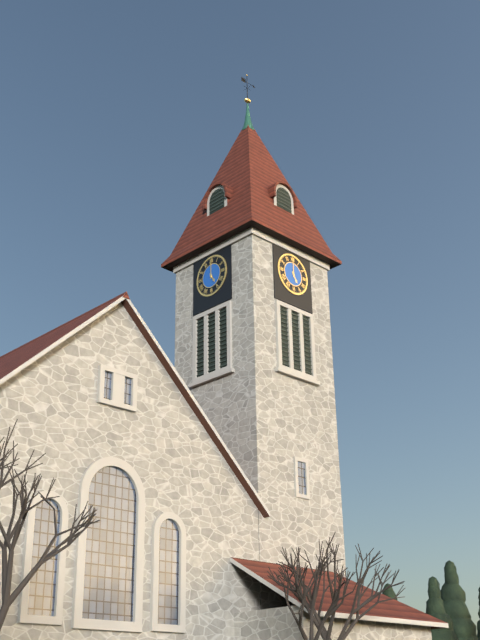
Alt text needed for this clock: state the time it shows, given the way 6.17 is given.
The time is 5.00
